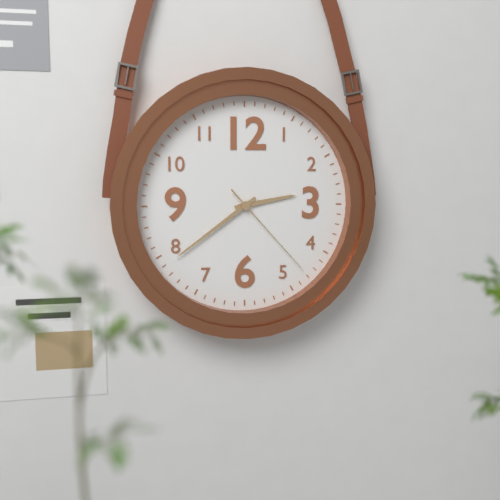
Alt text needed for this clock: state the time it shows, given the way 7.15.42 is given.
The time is 2.39.23
